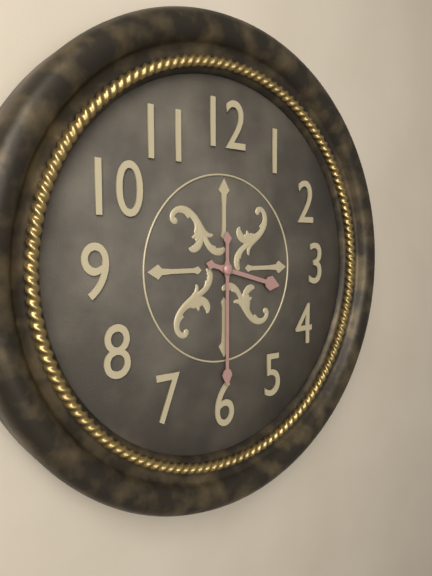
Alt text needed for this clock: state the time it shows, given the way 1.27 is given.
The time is 3.30
